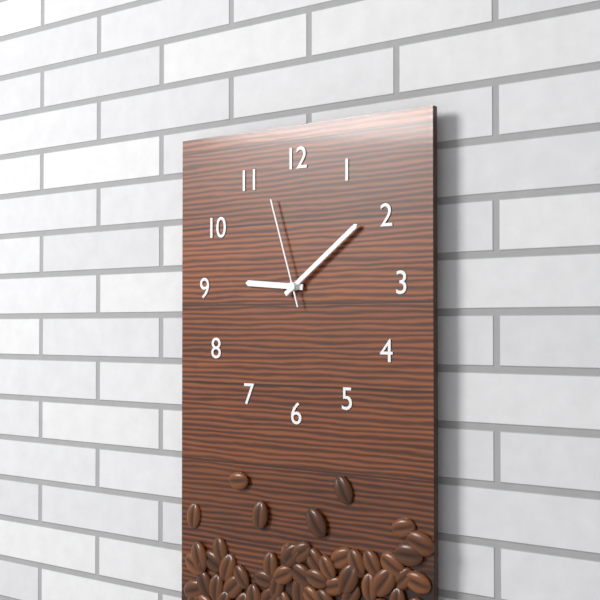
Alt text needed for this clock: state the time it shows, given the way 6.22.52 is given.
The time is 9.09.57
